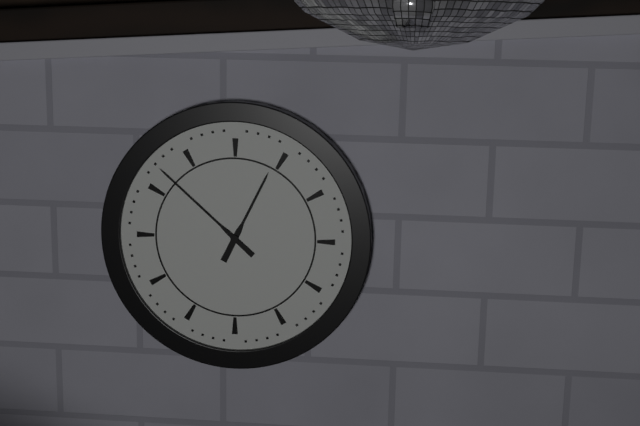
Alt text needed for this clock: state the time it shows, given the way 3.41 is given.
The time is 12.52
